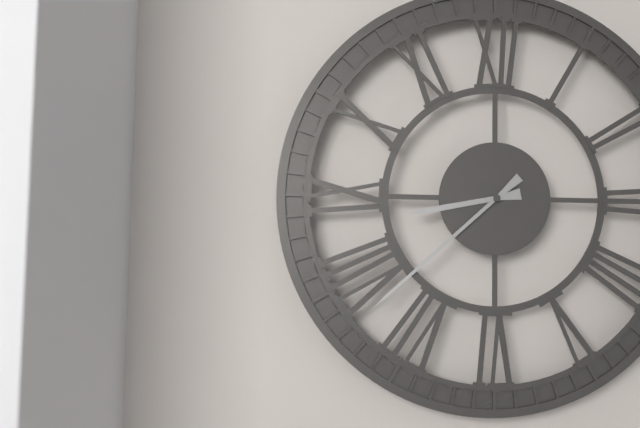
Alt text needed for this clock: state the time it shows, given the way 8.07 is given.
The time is 8.38
